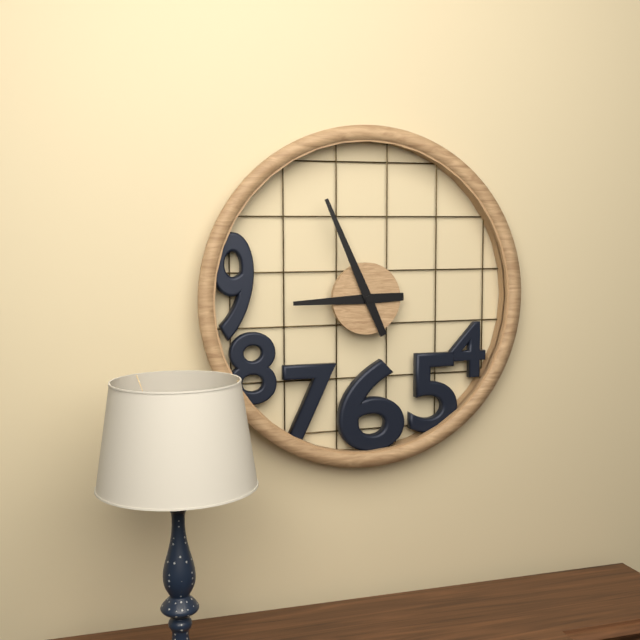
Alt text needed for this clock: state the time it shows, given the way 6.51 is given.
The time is 8.56
